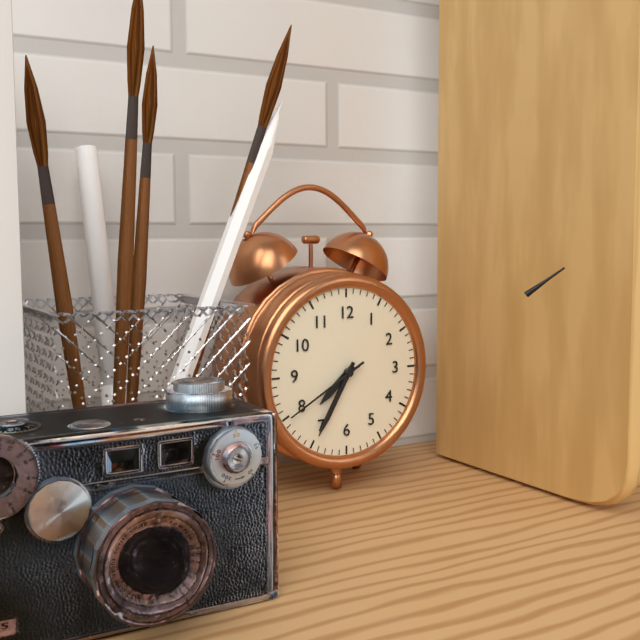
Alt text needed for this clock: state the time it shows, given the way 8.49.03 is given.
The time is 7.35.40
